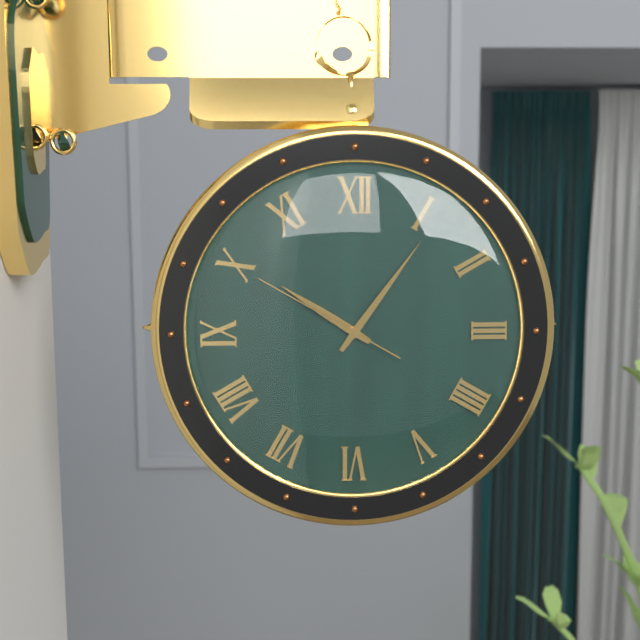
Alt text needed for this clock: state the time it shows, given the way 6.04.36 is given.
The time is 10.06.50
